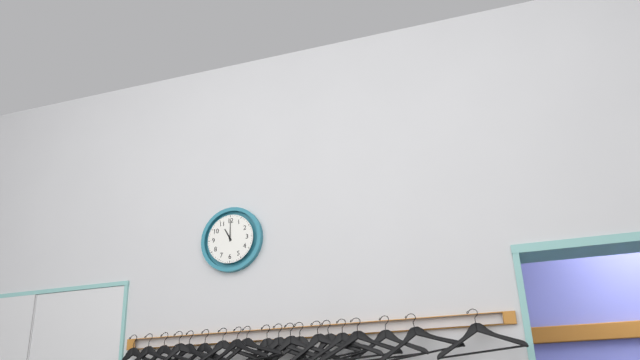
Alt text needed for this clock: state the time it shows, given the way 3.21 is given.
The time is 11.00
